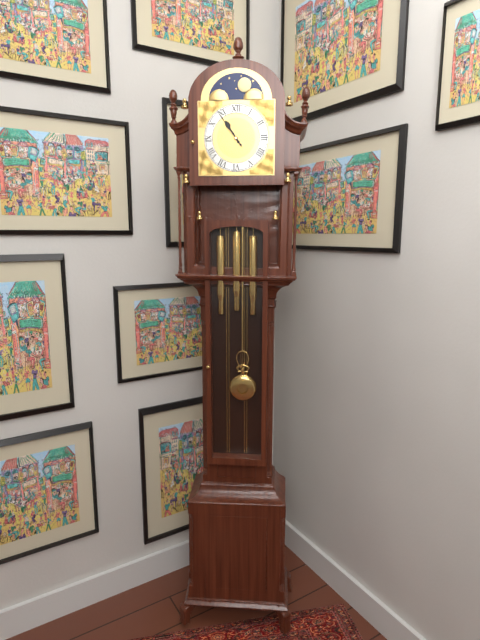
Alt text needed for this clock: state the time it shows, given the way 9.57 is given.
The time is 10.54
